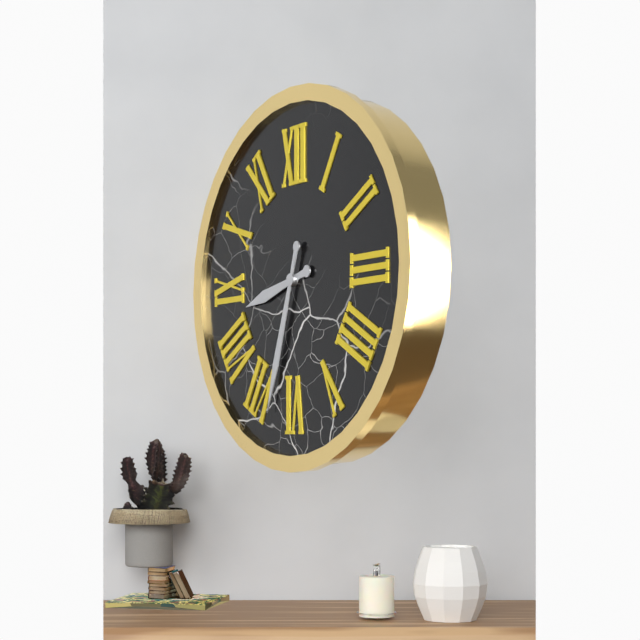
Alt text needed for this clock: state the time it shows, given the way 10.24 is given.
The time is 8.33
